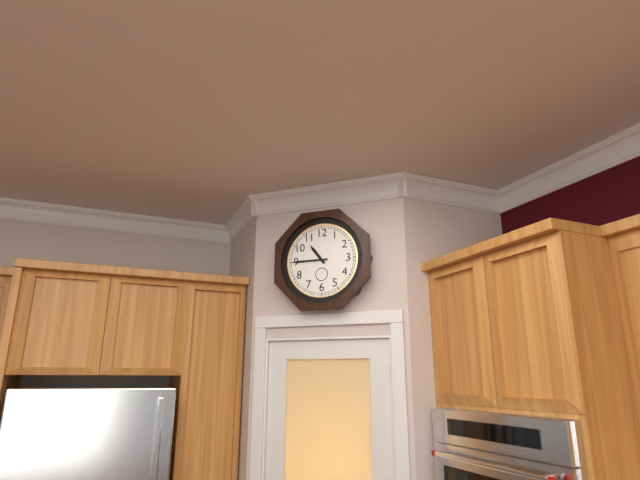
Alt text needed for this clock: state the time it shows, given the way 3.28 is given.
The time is 10.45
